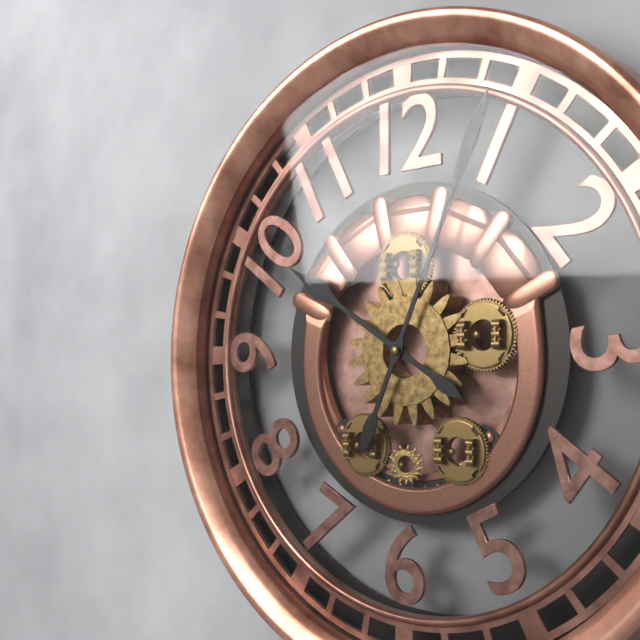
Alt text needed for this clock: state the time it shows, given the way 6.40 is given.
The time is 10.04
